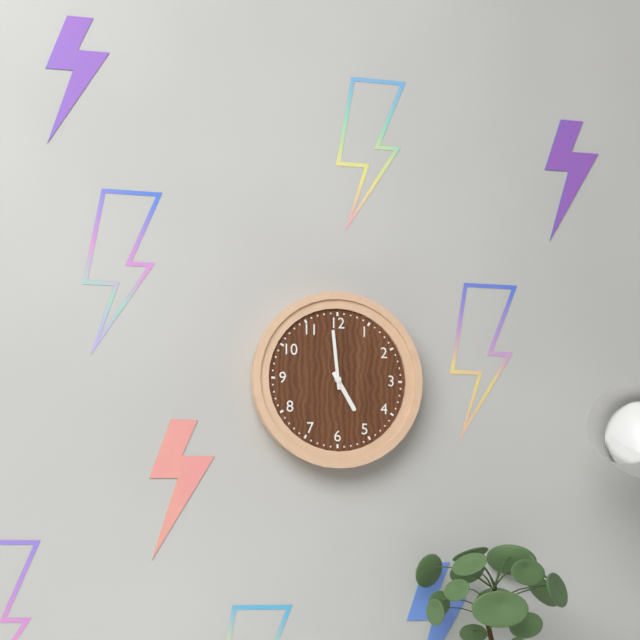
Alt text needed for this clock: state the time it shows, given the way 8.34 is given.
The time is 4.59
